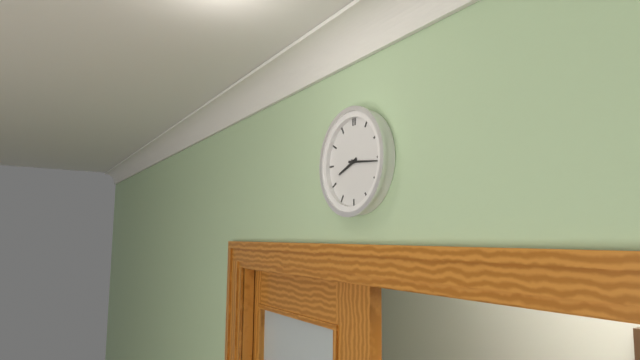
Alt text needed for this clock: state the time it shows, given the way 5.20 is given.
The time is 8.16
